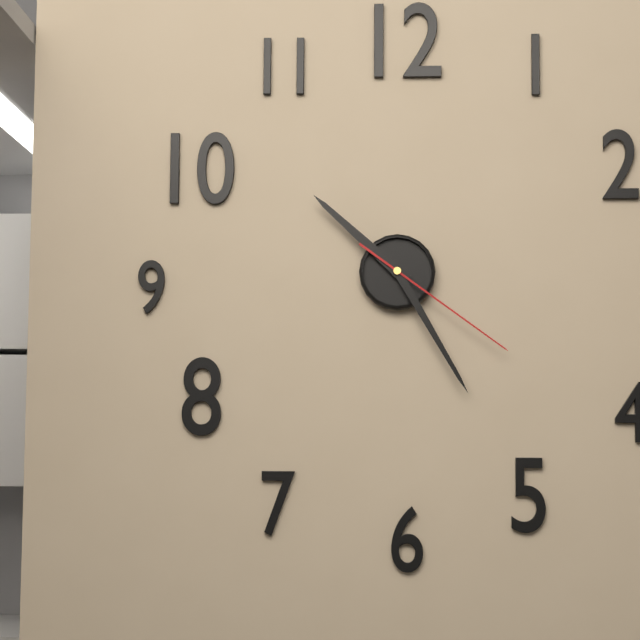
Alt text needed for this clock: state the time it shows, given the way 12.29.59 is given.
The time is 10.25.21
